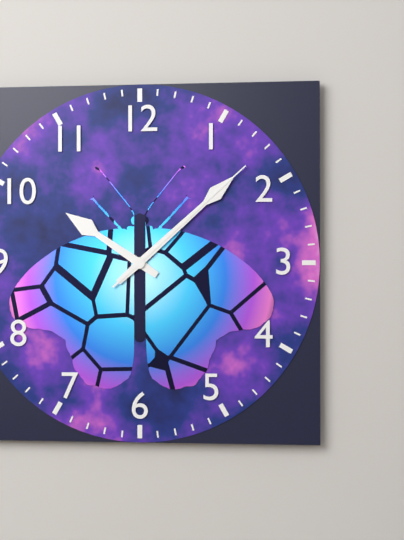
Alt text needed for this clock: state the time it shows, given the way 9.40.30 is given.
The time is 10.08.08
